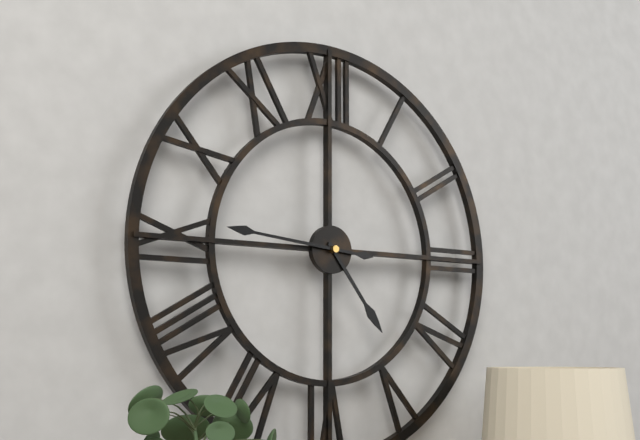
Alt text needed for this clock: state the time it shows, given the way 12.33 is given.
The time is 4.46
